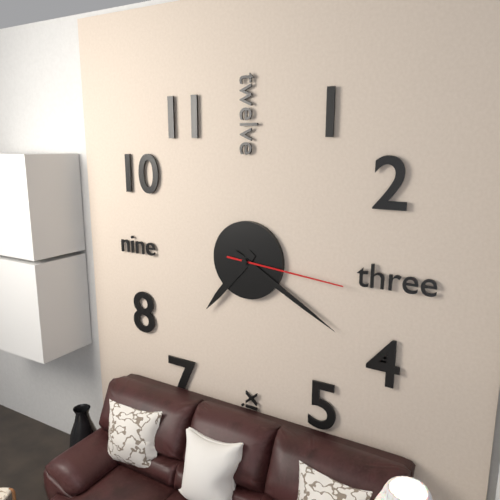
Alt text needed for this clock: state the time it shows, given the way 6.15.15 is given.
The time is 7.20.16
